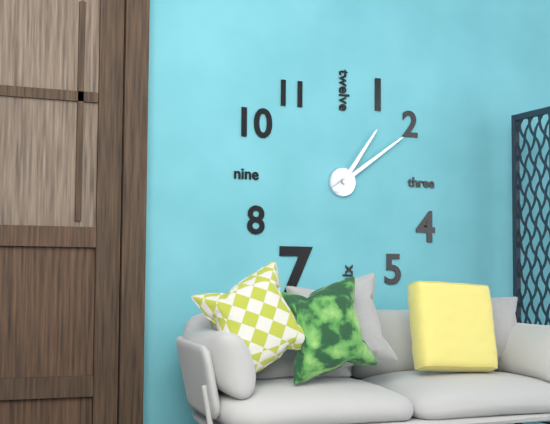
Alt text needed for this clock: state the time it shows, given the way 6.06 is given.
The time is 1.09
